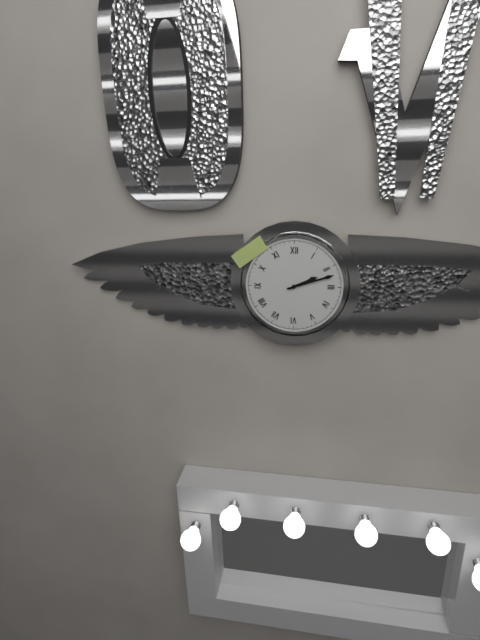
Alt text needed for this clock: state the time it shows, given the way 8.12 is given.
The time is 2.12
